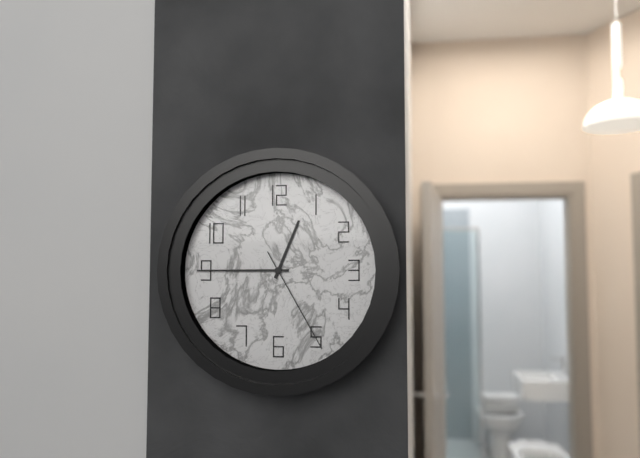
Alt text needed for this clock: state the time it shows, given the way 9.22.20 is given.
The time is 12.45.25
